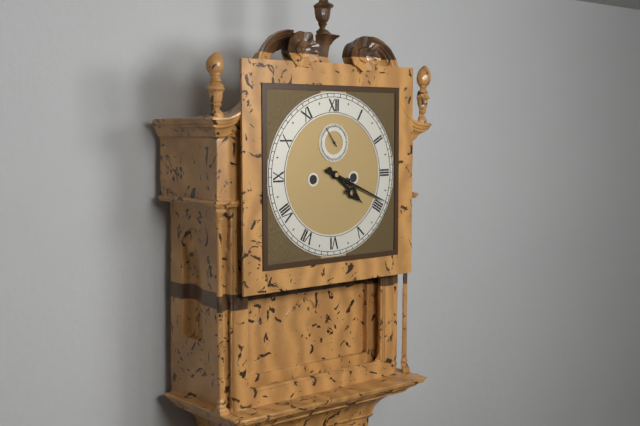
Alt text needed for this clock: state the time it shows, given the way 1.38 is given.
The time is 4.19
